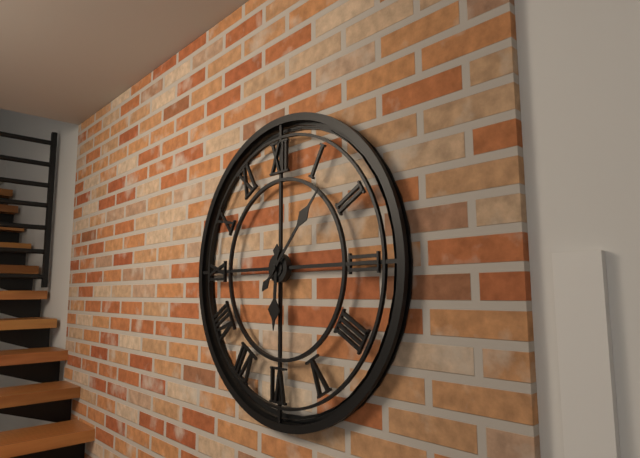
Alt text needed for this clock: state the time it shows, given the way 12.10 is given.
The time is 6.07
